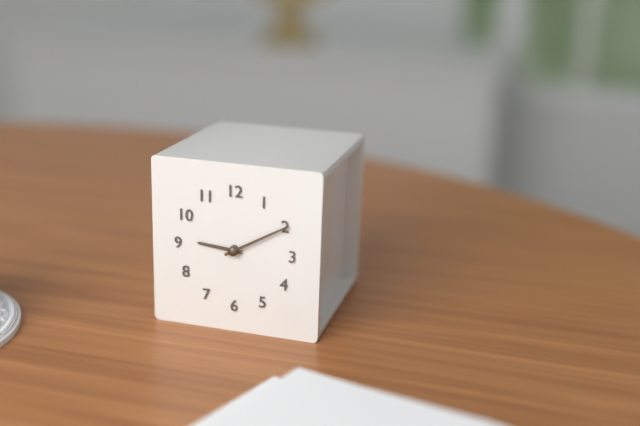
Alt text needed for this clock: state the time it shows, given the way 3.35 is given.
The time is 9.10
